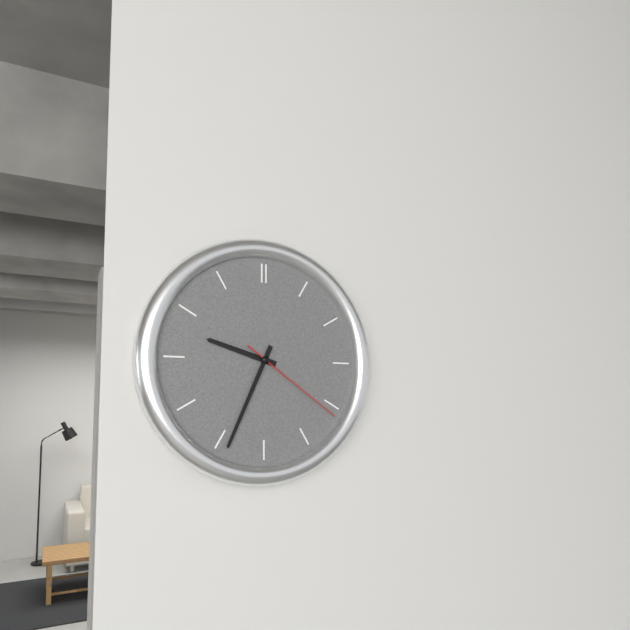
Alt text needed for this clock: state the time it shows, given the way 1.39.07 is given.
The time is 9.34.21
